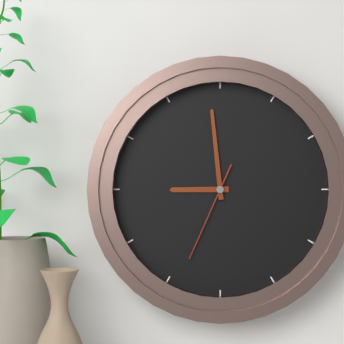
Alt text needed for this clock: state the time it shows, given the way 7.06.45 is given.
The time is 8.59.34
